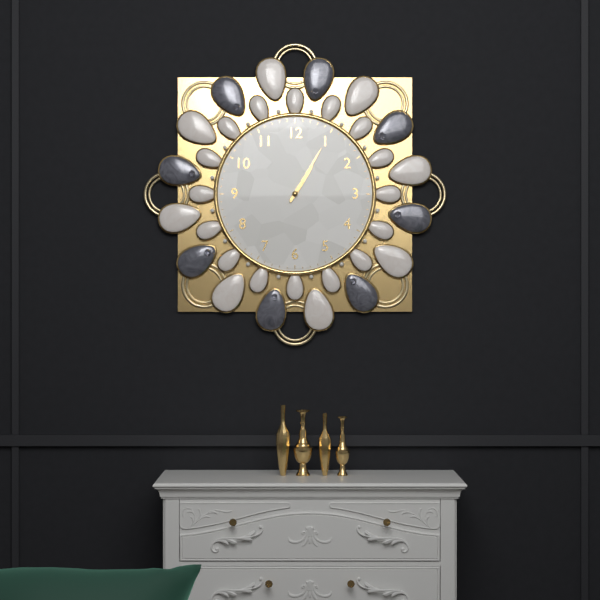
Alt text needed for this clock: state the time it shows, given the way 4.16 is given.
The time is 1.05
